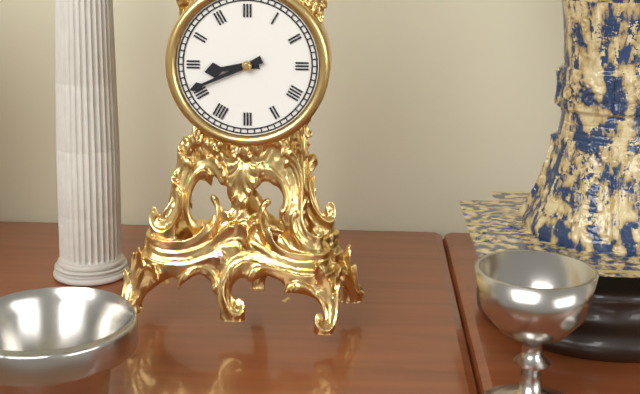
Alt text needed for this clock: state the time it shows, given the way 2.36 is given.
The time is 8.41
